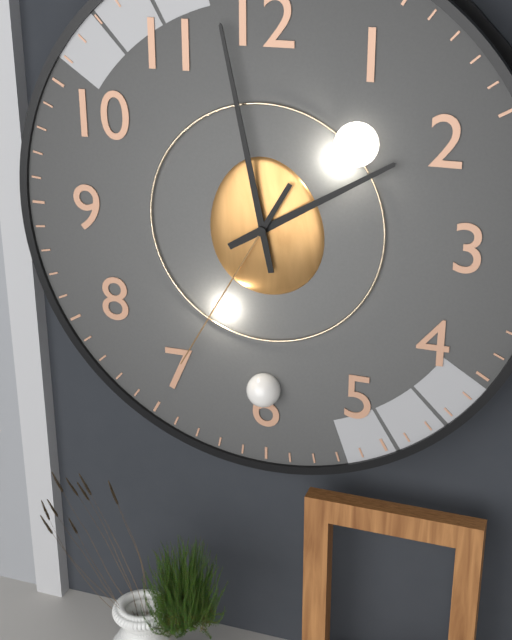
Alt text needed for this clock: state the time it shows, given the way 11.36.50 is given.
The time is 1.58.35
